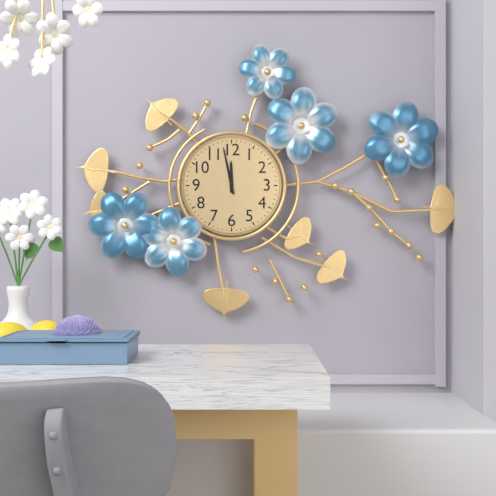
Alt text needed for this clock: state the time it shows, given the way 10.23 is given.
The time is 11.58
